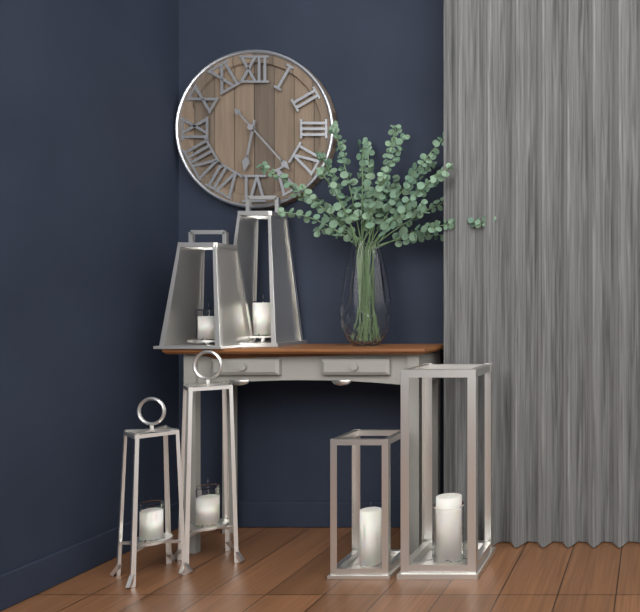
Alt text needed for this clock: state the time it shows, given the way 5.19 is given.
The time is 6.23
